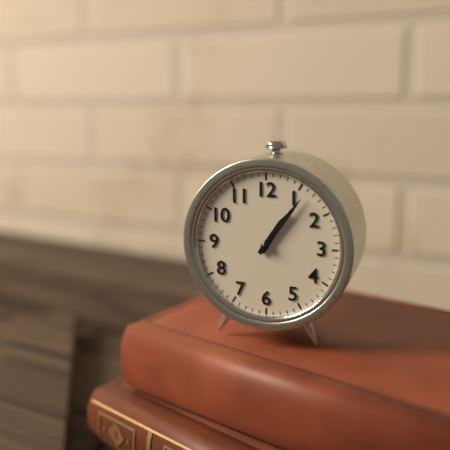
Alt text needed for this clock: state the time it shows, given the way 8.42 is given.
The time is 1.06
